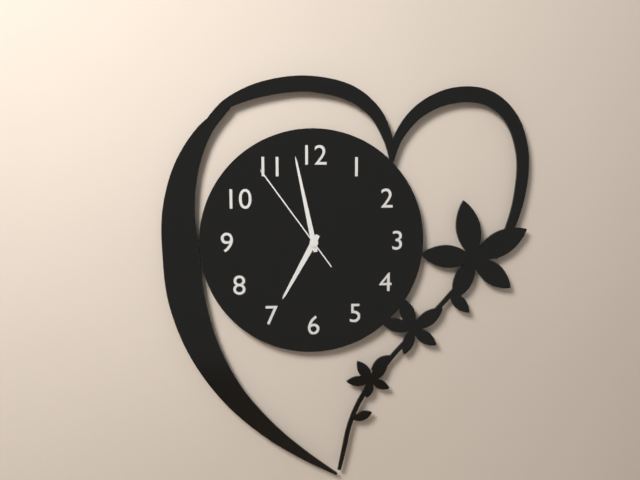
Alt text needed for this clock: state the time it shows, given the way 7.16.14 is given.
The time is 6.58.54
